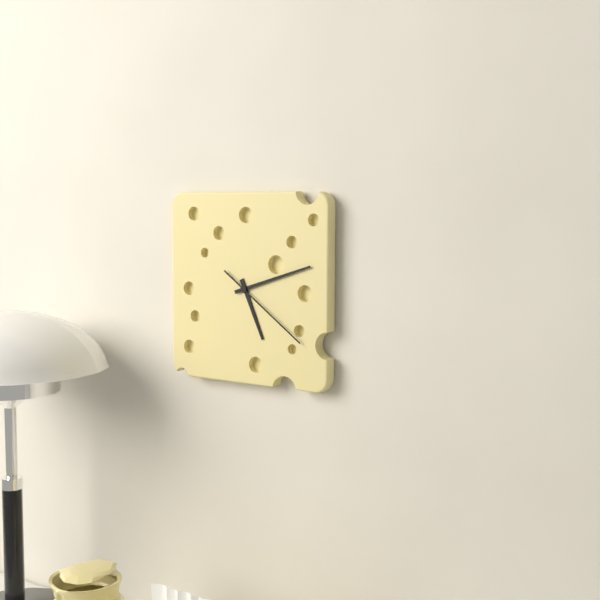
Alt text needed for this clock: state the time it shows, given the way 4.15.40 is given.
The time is 5.12.21
